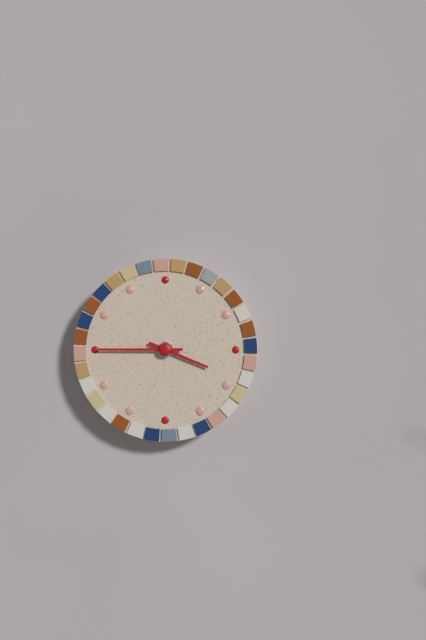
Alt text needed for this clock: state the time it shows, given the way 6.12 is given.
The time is 3.45
